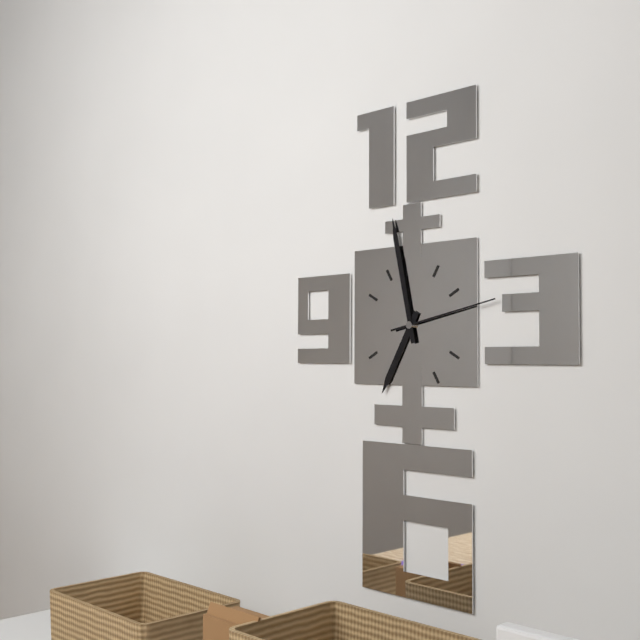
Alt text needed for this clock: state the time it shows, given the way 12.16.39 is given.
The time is 6.58.13
